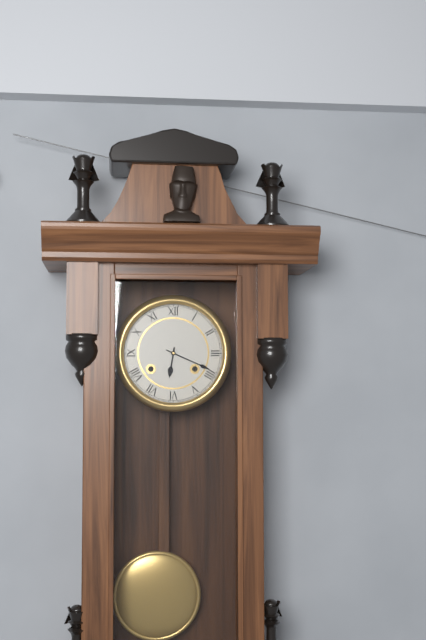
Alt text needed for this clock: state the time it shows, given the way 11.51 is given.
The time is 6.19
